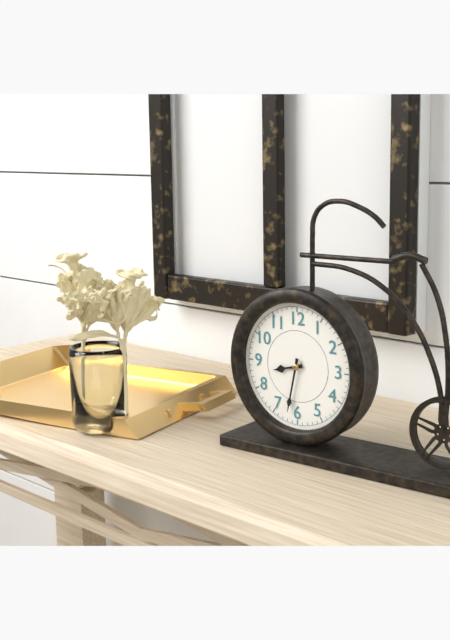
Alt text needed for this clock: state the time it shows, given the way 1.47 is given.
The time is 8.32
